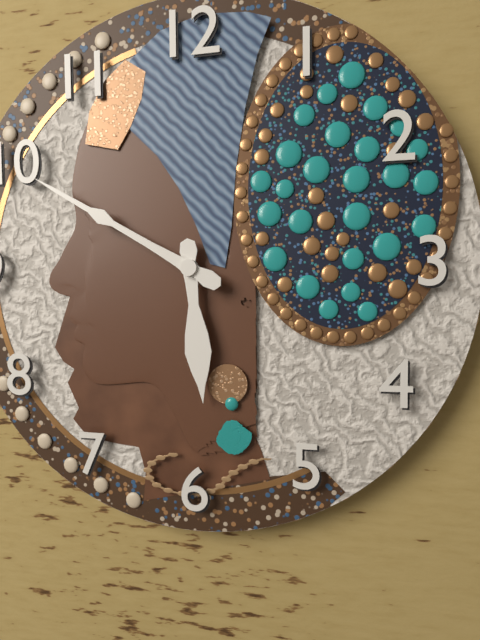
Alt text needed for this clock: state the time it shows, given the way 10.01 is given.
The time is 5.50
